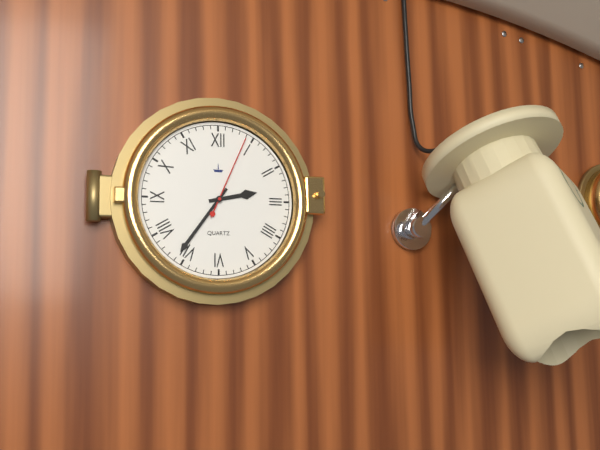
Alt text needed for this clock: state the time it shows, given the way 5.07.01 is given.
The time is 2.36.04
